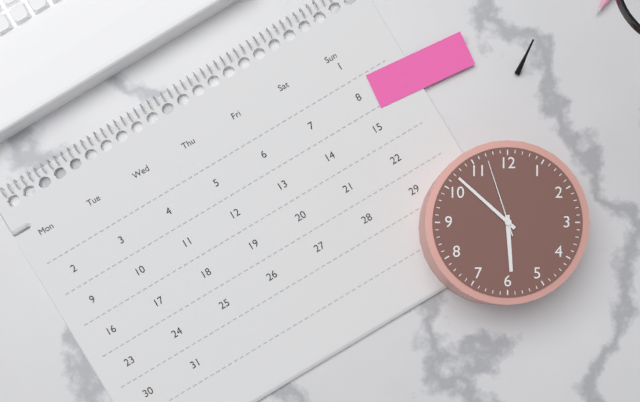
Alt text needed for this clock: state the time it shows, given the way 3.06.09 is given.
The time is 5.52.57
